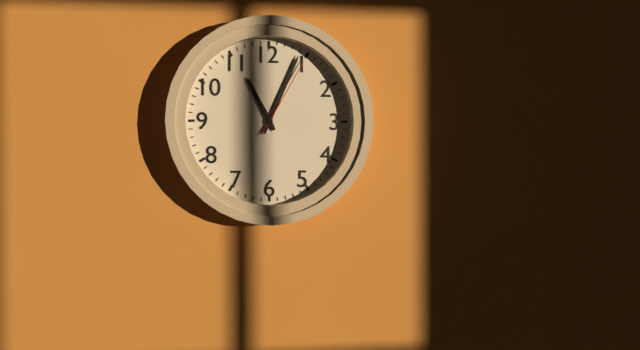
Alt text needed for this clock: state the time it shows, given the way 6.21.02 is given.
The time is 11.04.05
